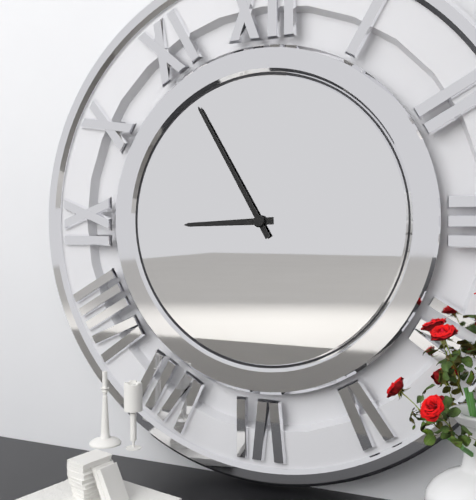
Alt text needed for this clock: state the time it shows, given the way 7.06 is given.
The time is 8.55
